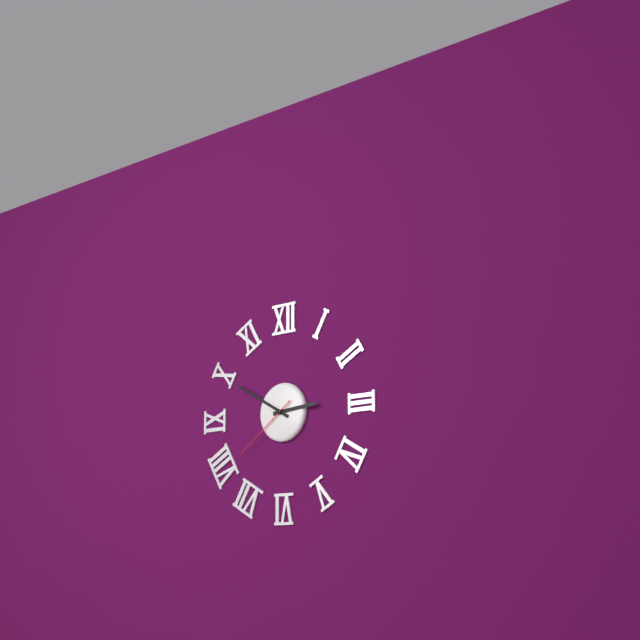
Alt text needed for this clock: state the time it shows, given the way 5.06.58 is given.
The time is 2.50.39
